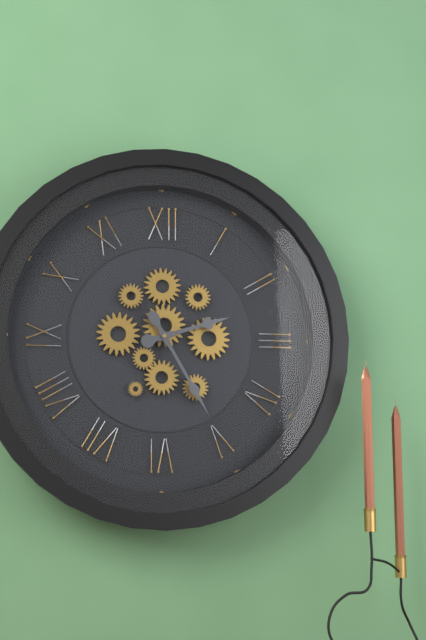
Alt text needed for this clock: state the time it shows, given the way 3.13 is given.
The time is 2.25
